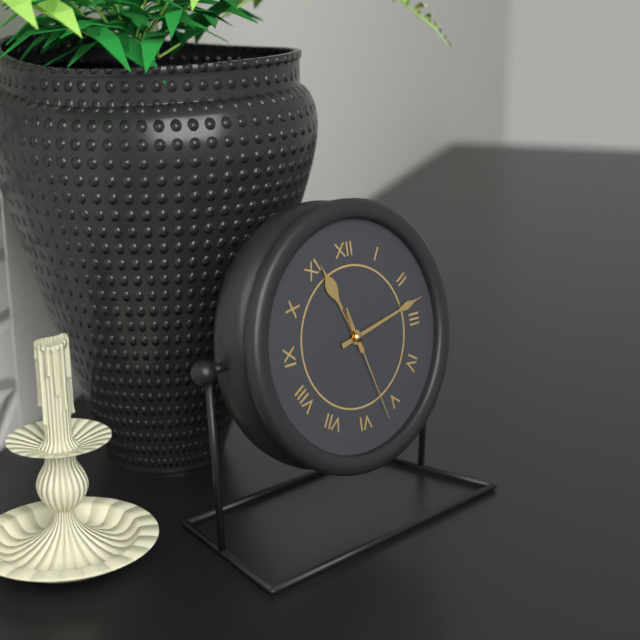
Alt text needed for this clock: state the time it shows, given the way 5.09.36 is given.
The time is 11.13.27
